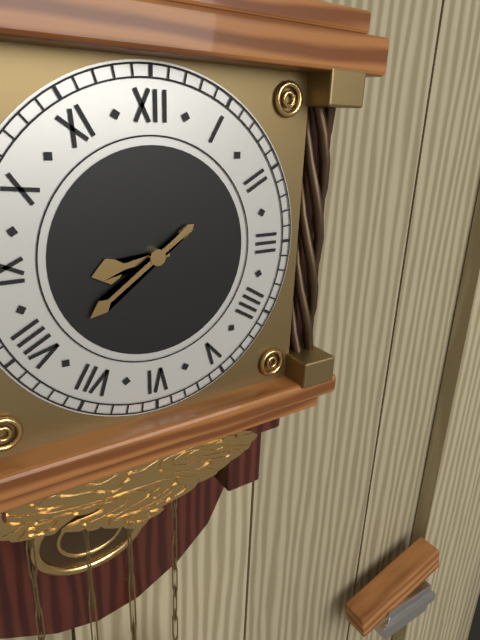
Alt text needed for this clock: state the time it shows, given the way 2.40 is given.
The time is 8.39
